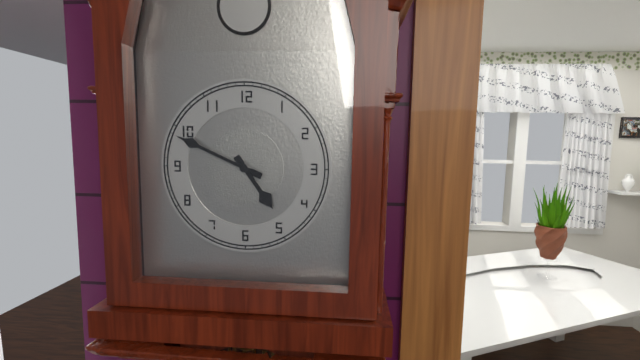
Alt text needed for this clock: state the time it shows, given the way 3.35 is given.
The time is 4.49
